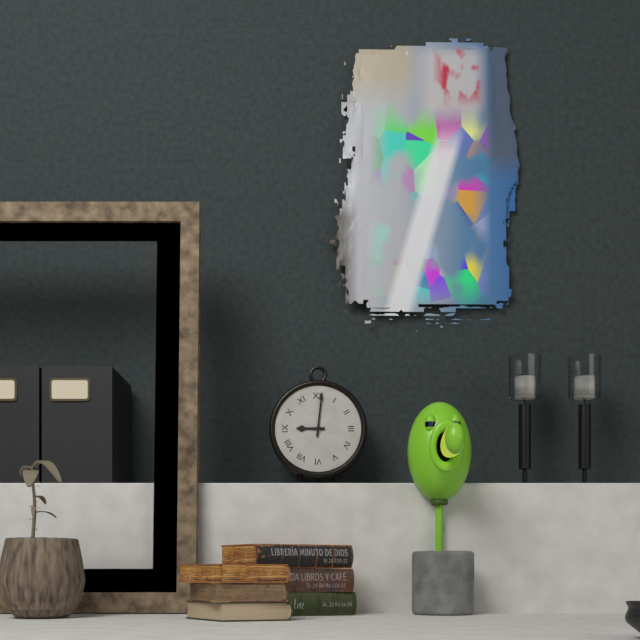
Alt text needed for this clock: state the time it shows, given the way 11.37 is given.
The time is 9.01
